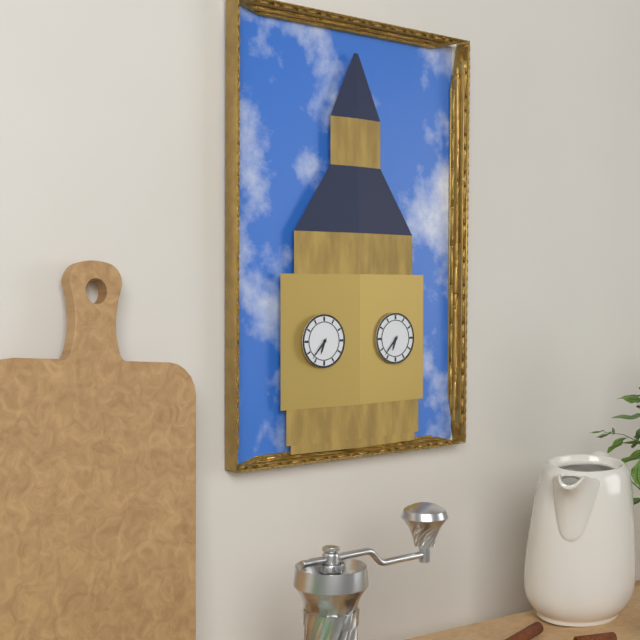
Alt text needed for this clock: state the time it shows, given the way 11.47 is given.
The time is 6.37
